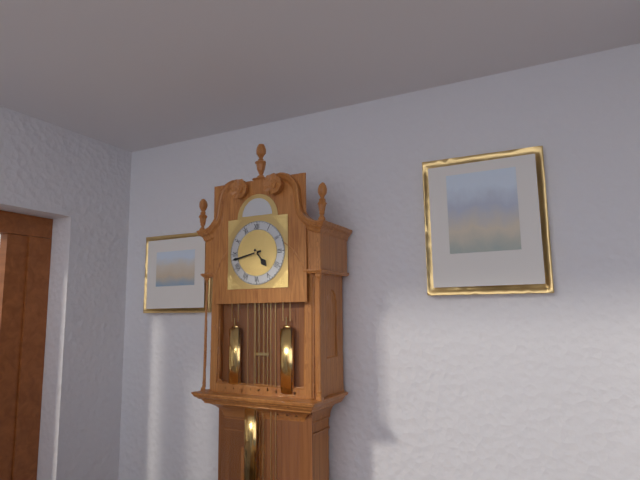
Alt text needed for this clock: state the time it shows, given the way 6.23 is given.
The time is 4.43
